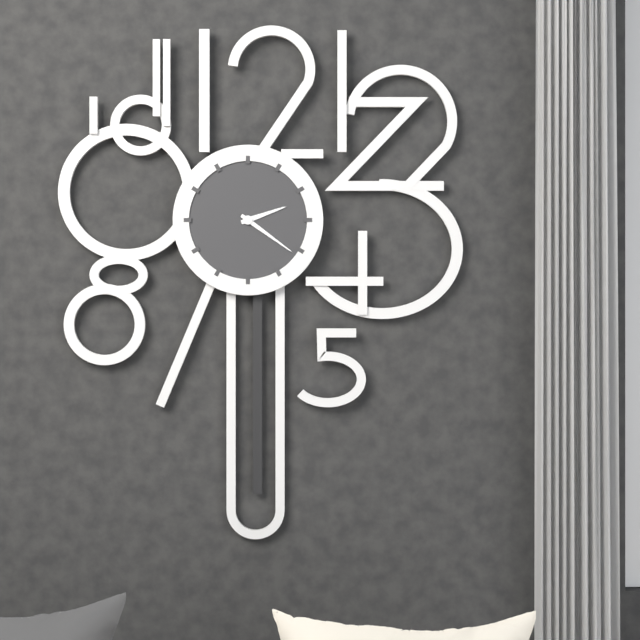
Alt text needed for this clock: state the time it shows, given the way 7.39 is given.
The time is 2.21
